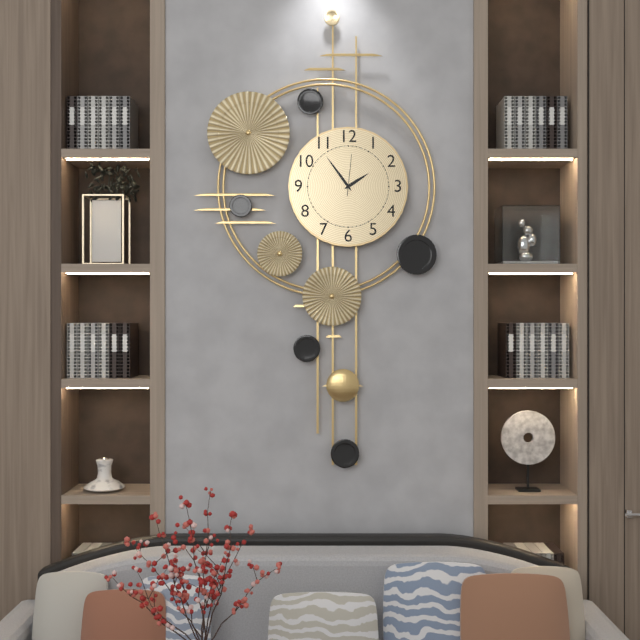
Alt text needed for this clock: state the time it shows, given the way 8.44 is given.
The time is 1.54
